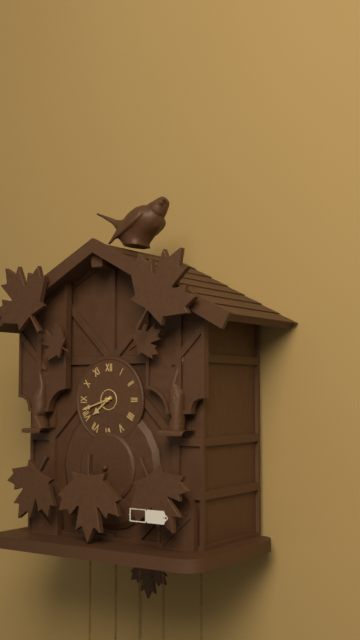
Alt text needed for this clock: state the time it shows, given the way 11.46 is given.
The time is 7.42
